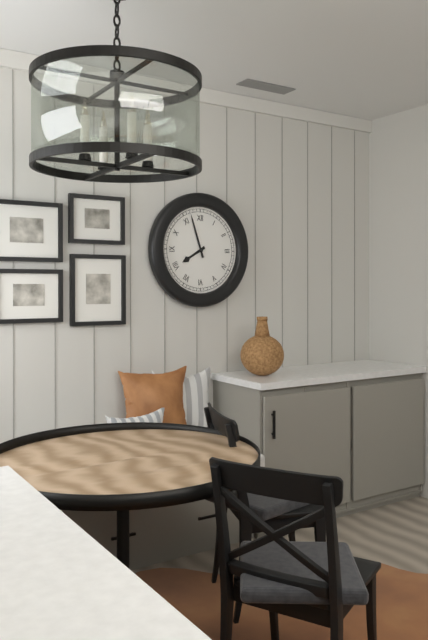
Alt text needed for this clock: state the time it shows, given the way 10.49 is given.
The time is 7.57
